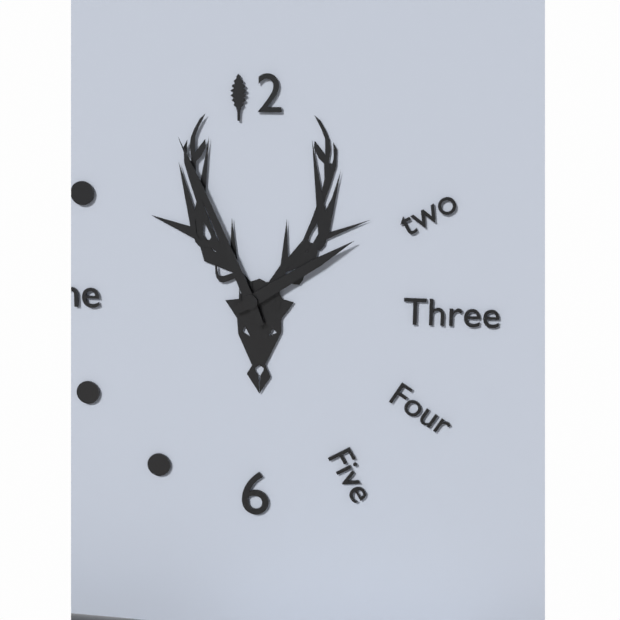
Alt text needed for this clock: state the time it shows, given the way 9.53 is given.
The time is 1.56
